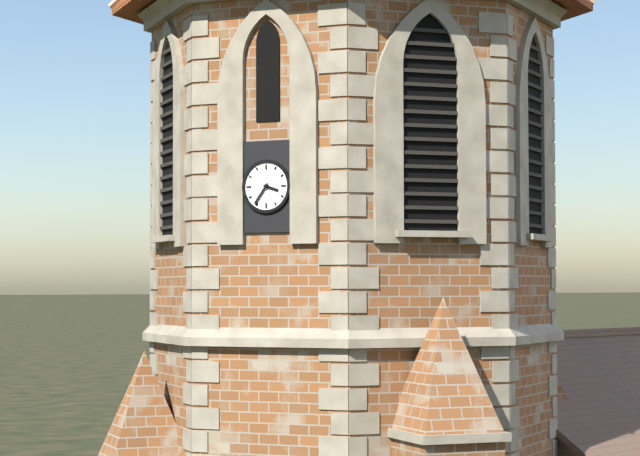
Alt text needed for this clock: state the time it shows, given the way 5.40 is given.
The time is 3.36
